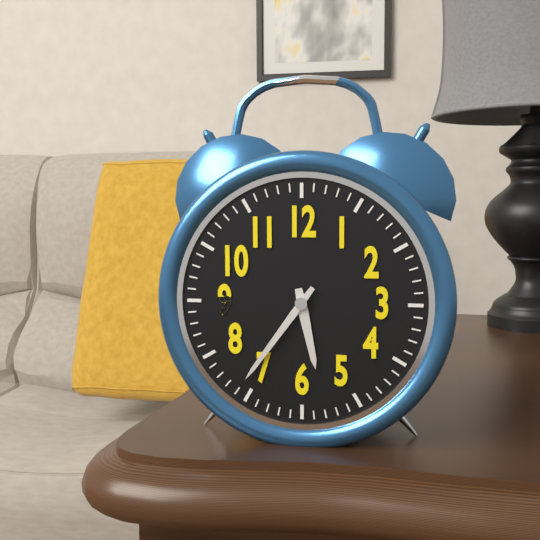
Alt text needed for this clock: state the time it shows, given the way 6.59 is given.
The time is 5.36
